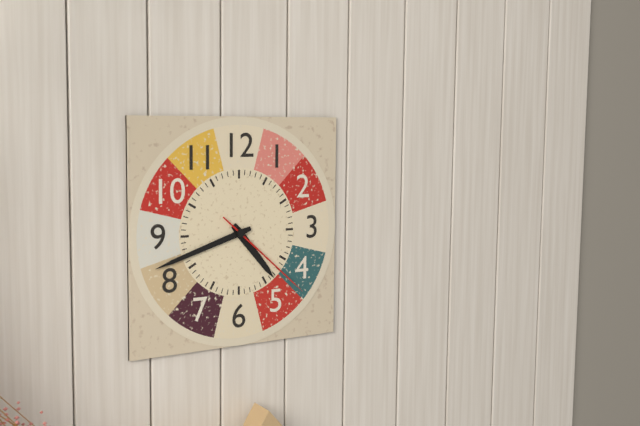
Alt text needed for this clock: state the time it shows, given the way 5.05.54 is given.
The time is 4.42.22
